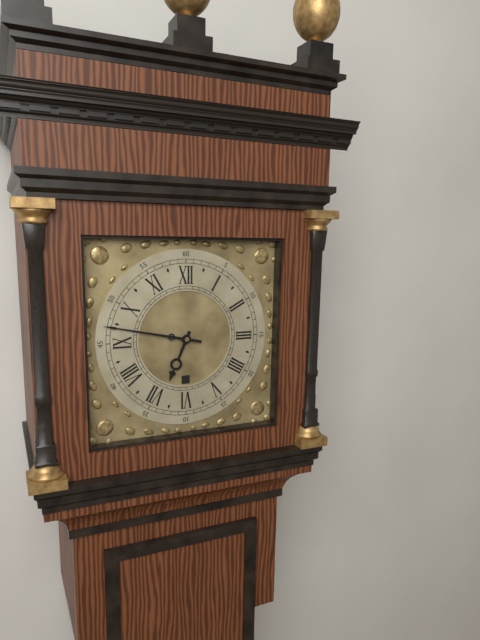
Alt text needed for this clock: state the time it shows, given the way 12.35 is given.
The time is 6.47
